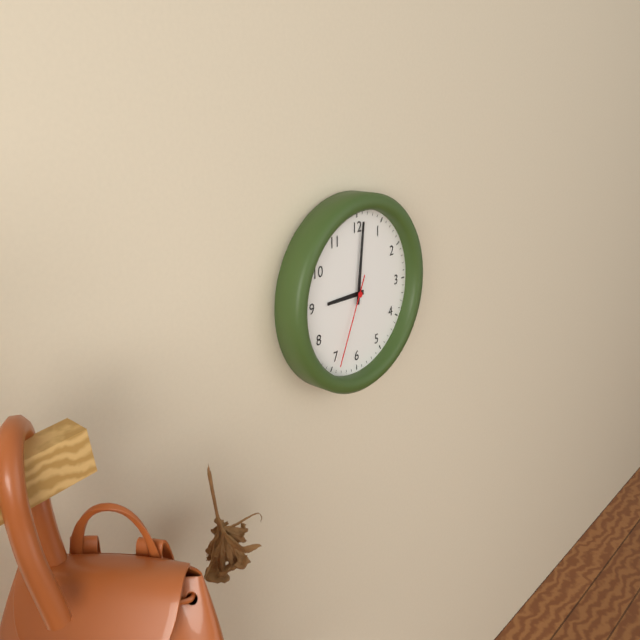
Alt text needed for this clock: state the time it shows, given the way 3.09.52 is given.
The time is 9.01.34
